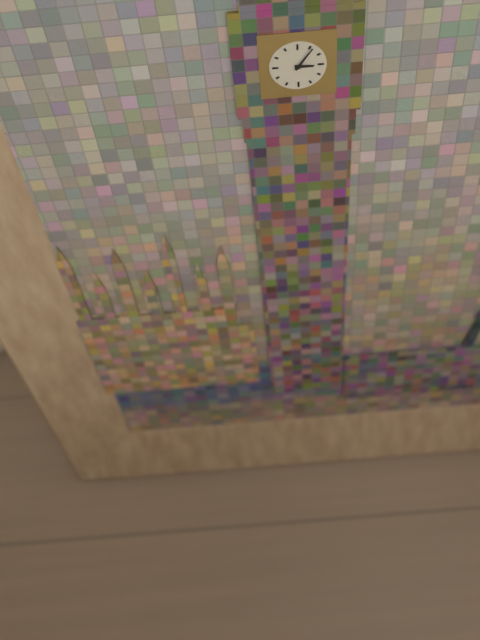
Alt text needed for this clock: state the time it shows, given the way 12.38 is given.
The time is 3.06
